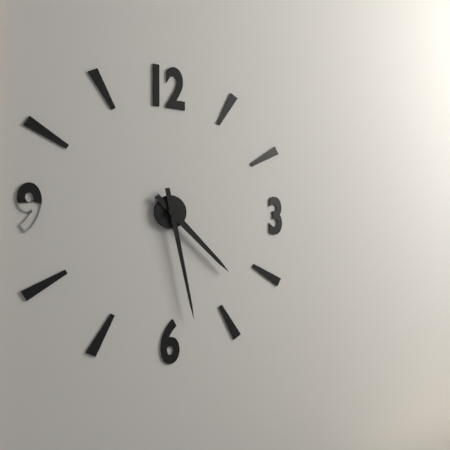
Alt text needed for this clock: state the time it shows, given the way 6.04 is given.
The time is 4.28
